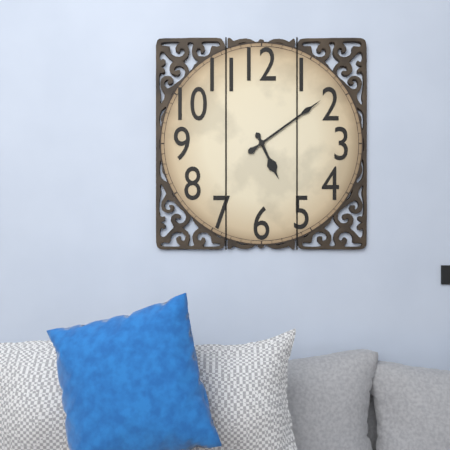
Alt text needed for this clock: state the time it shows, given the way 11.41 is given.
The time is 5.09
